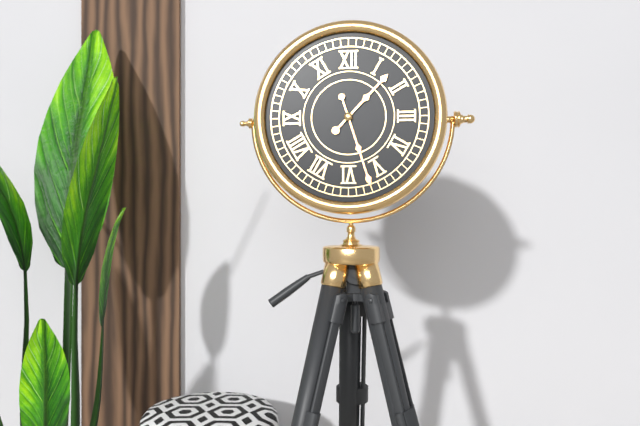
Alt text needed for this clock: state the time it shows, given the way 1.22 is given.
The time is 1.27
